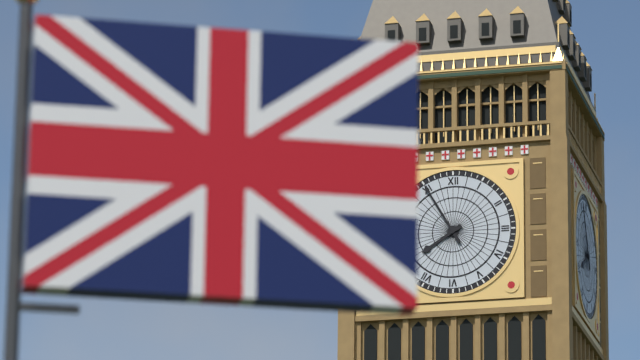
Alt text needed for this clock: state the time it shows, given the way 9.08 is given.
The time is 7.55
